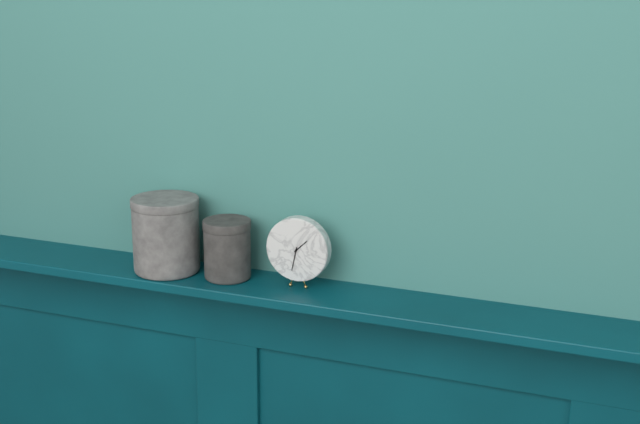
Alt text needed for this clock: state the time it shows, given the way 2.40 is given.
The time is 1.32
